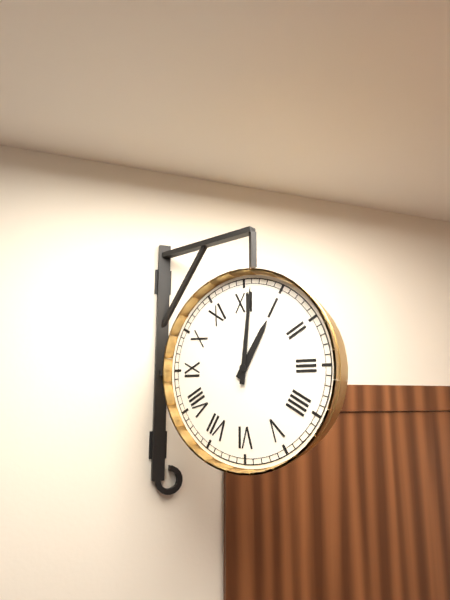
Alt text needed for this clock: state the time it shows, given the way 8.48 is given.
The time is 1.01
